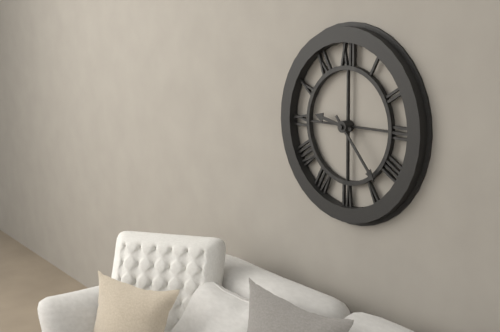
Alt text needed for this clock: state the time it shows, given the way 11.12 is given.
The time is 9.23
